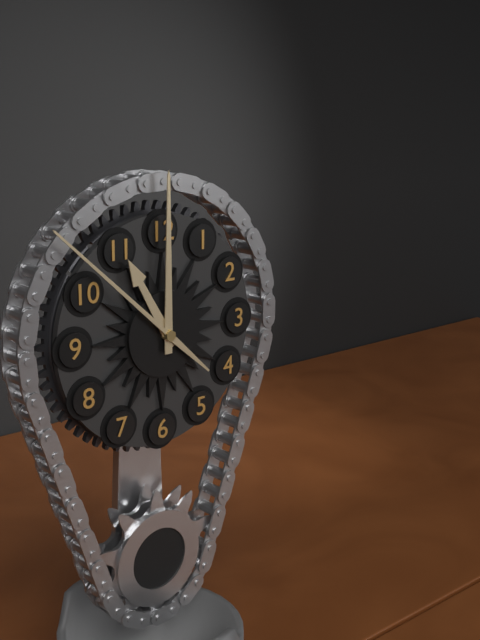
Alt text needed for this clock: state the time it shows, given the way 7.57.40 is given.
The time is 11.00.52
